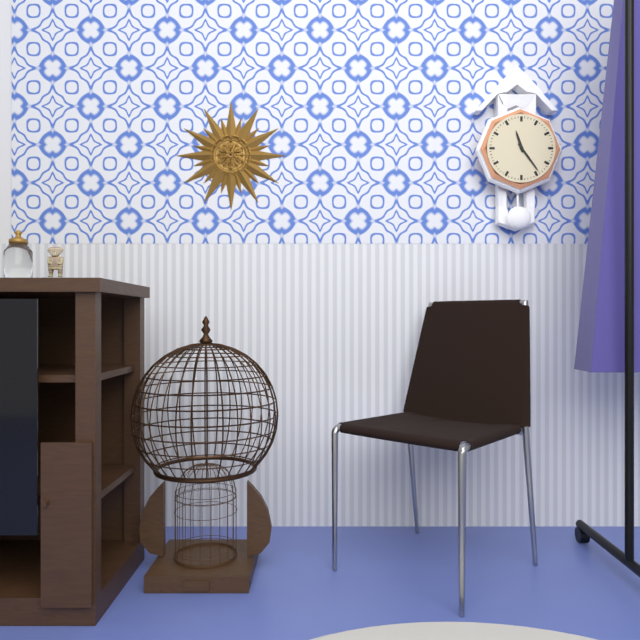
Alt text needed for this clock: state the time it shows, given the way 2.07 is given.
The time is 11.24
